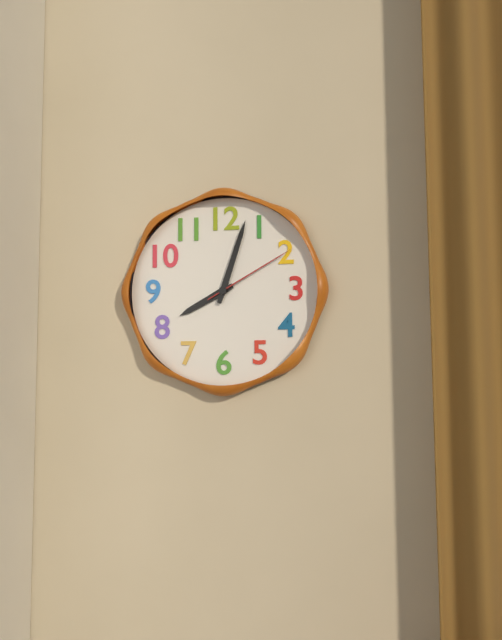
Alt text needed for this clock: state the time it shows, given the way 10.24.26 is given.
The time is 8.03.10
